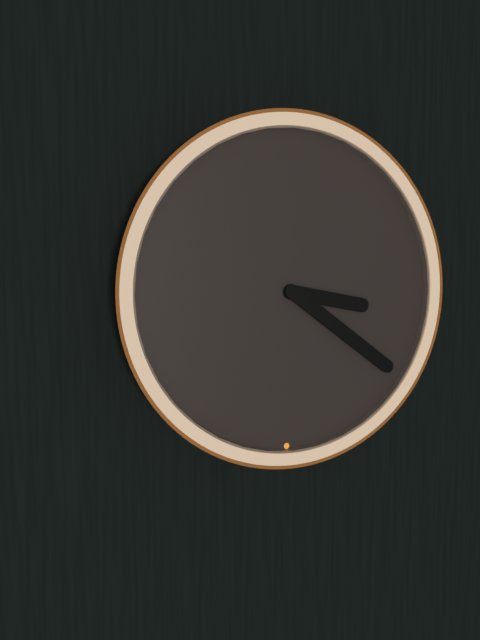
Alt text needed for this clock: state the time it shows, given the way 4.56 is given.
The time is 3.21
